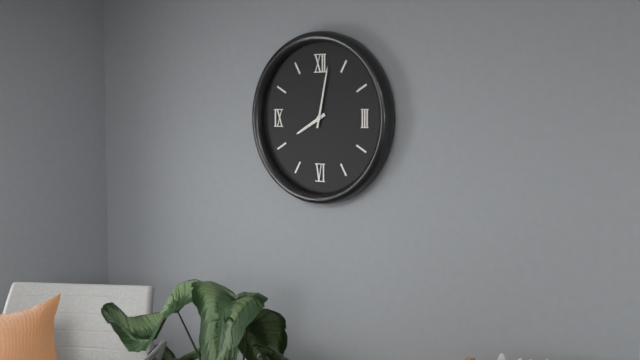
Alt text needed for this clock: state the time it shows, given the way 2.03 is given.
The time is 8.02
